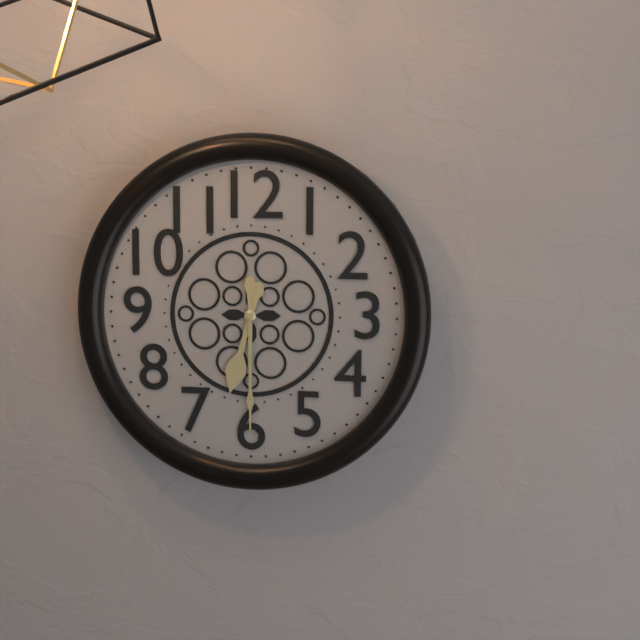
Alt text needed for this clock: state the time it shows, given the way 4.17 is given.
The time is 6.30
